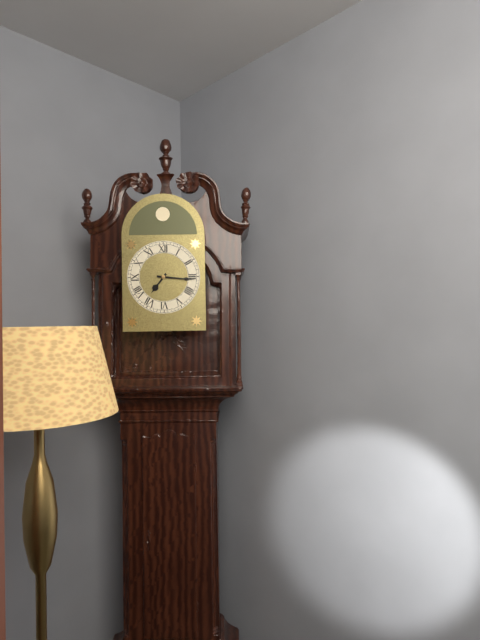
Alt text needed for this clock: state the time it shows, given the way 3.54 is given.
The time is 7.16
